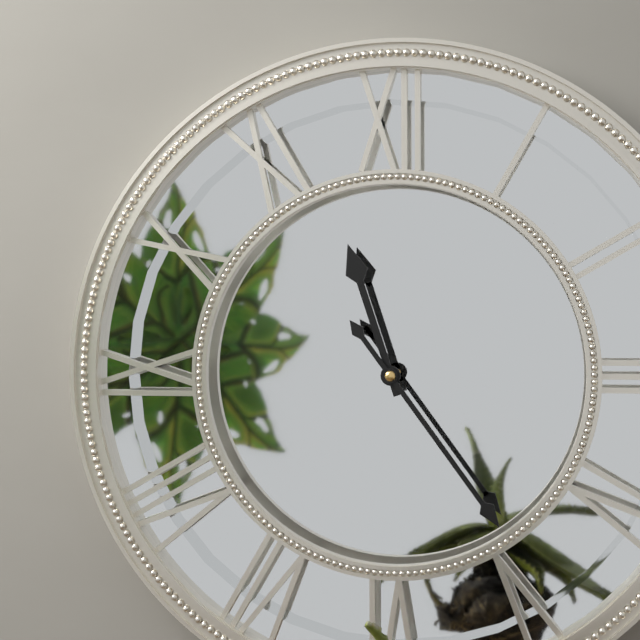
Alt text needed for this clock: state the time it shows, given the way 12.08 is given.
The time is 11.24
